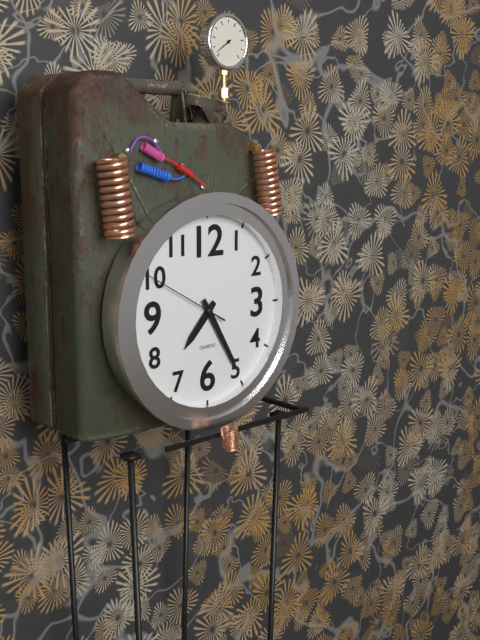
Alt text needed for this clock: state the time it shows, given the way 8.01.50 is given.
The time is 7.25.50
